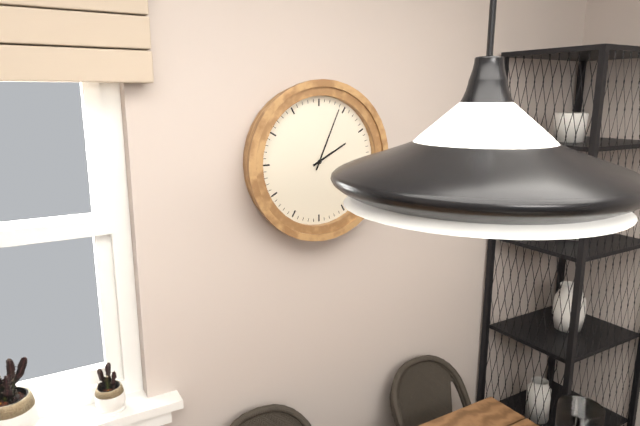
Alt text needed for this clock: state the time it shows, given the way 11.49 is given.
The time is 2.04
